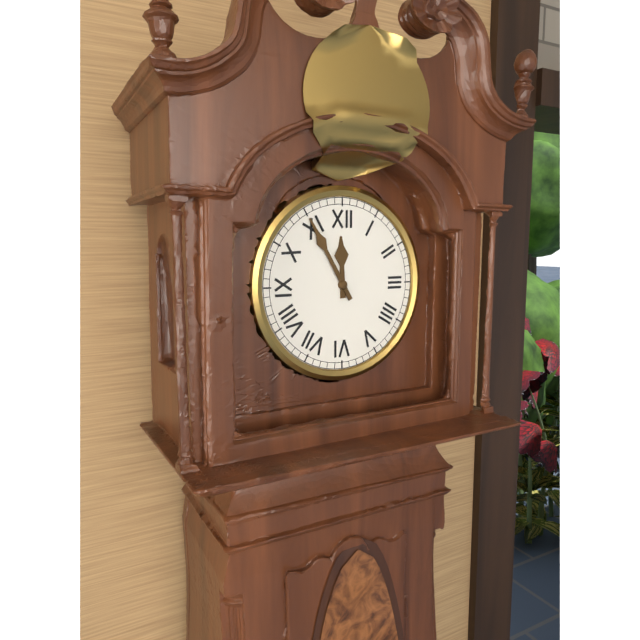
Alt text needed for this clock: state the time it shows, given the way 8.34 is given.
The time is 11.55
